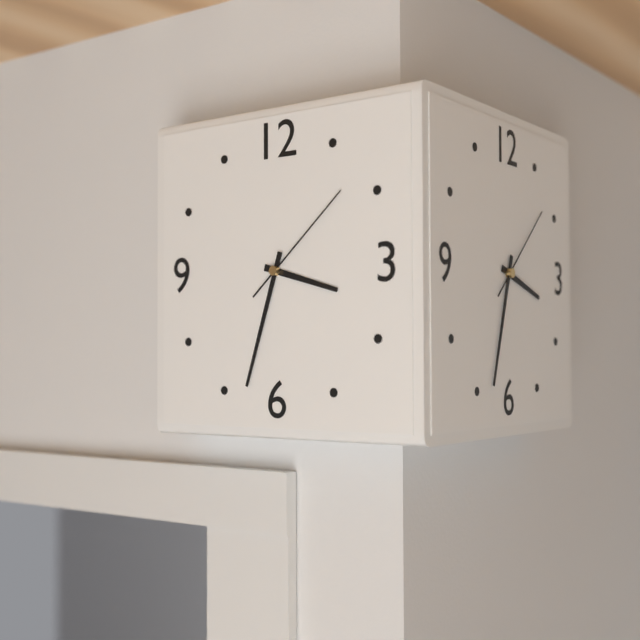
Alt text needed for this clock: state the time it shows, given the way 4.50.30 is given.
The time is 3.33.08
